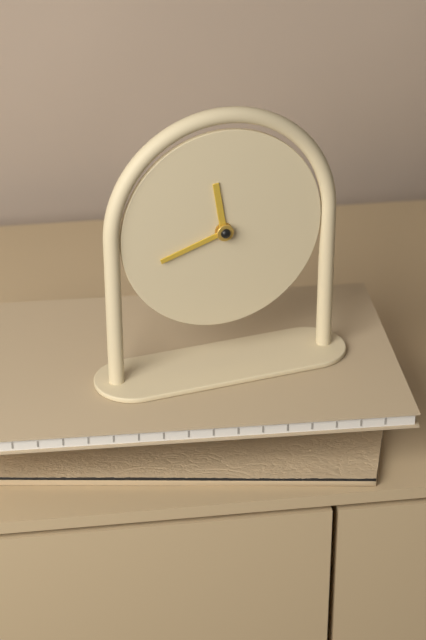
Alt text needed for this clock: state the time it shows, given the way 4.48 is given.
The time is 11.42
